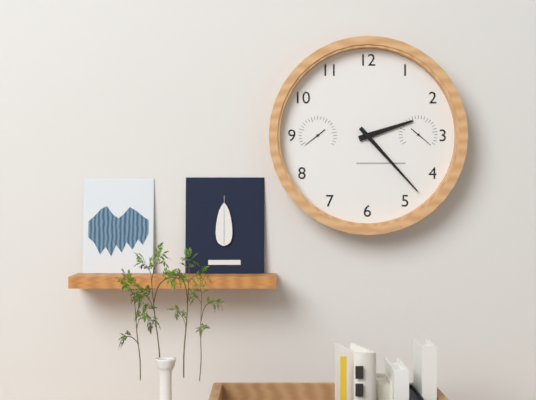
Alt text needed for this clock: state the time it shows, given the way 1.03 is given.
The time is 2.23
